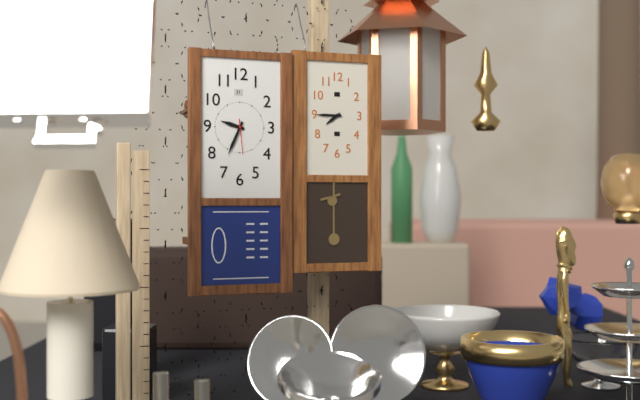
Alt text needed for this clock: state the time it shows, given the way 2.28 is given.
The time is 9.34
